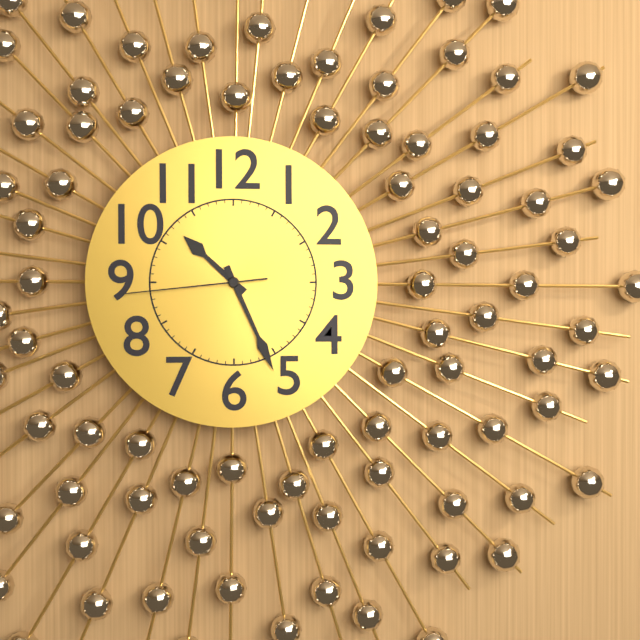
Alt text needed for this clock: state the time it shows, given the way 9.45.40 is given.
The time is 10.26.44
